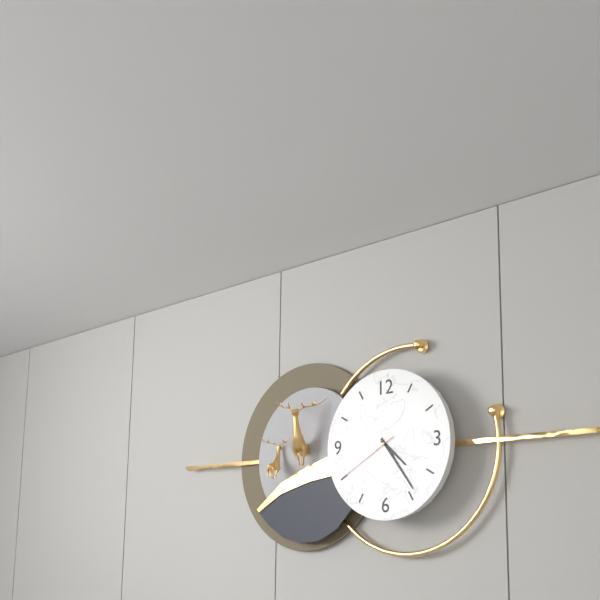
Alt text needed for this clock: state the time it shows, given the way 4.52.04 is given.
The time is 4.24.40
